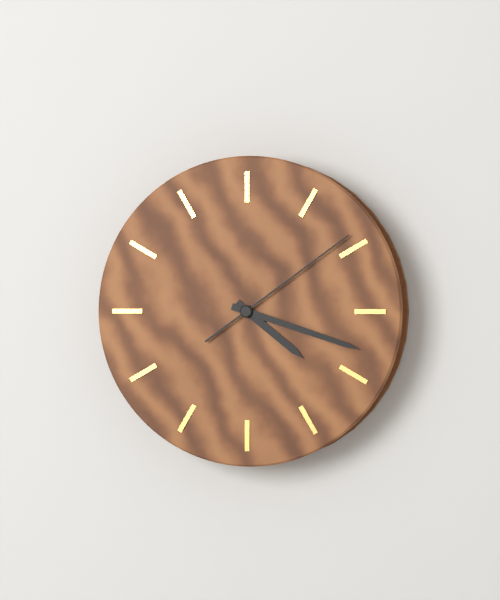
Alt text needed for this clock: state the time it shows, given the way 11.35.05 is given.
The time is 4.18.09
